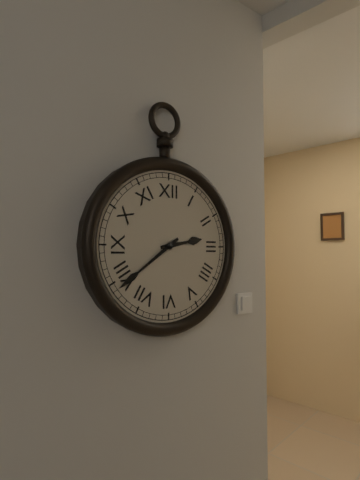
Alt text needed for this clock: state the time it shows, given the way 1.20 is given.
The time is 2.39
